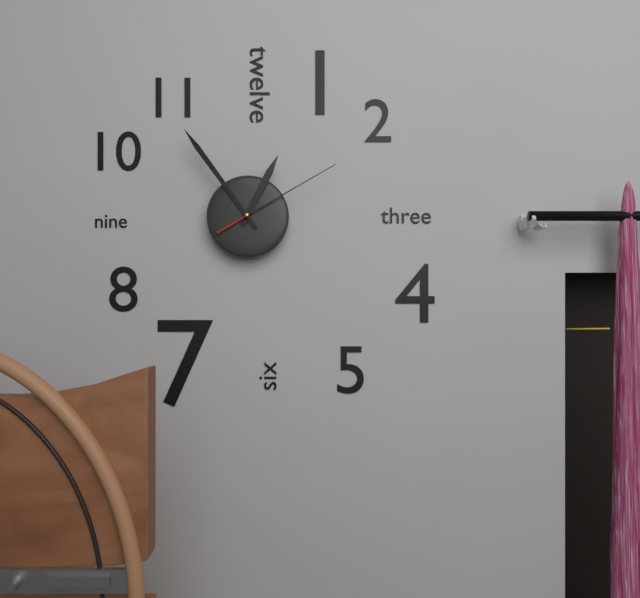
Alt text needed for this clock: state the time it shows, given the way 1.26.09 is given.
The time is 12.54.10
